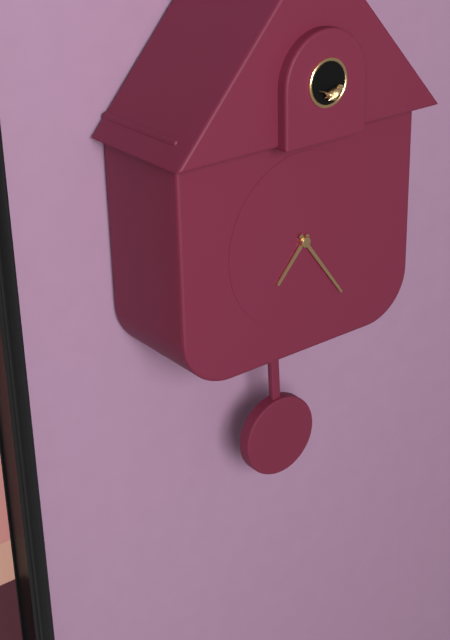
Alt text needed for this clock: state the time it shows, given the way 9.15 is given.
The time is 7.24
